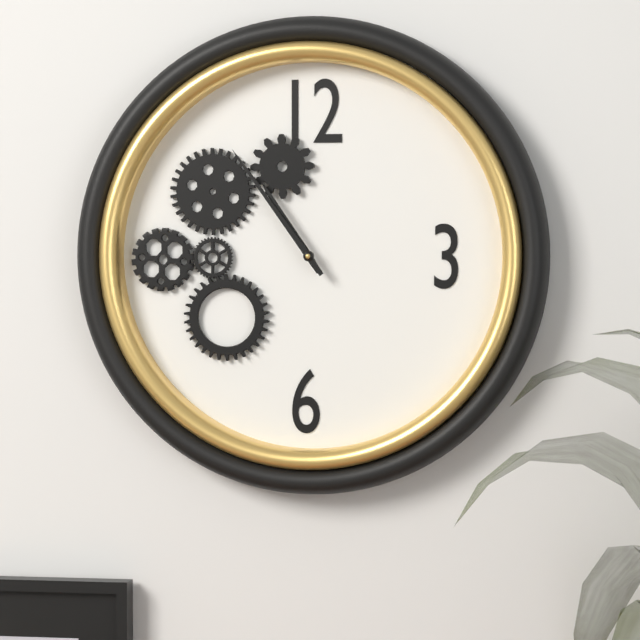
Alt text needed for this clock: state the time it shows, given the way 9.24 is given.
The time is 10.54
